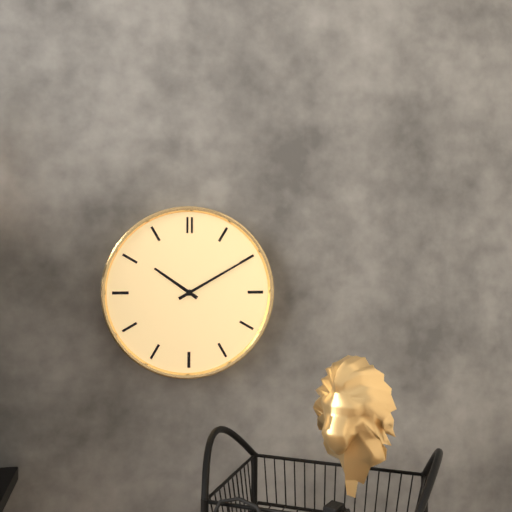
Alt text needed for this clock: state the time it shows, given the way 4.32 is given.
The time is 10.10
